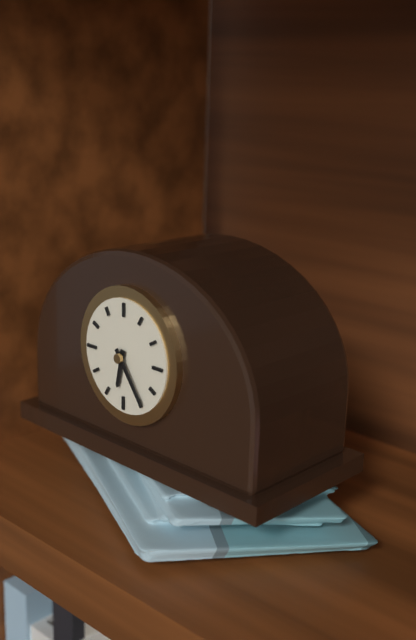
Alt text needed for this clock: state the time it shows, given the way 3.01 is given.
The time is 6.24
